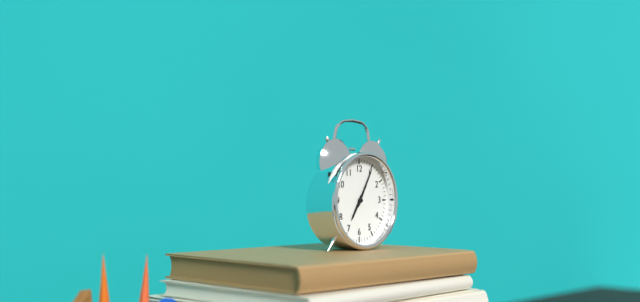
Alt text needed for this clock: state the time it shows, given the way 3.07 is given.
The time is 7.05
